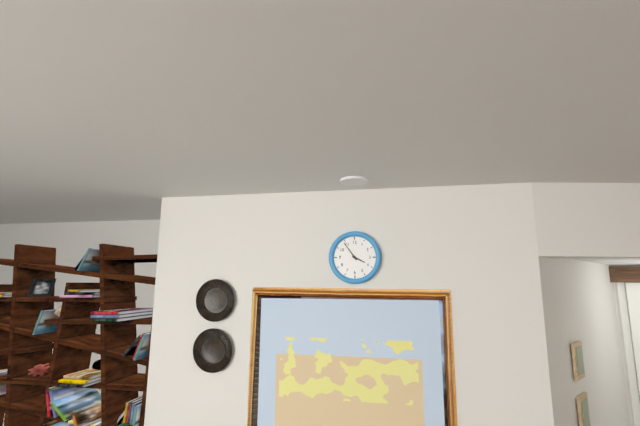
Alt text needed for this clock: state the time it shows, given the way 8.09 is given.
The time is 3.54
